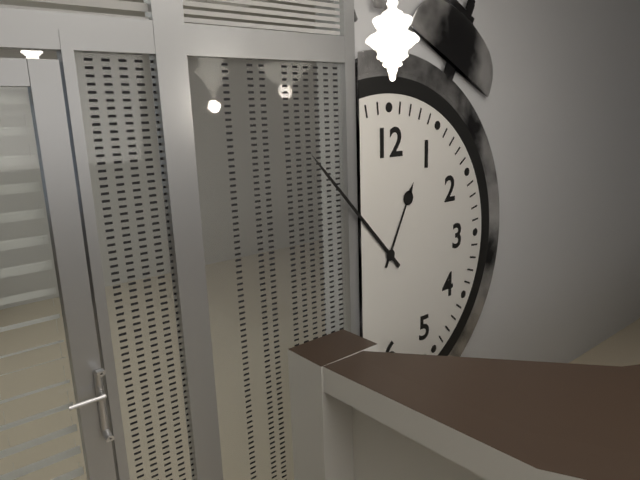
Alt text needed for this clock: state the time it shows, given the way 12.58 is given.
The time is 12.53
